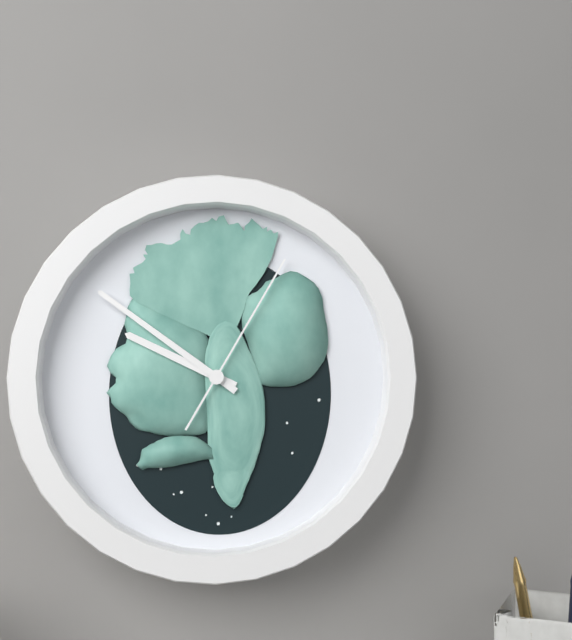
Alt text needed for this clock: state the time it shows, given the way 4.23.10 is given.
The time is 9.51.05
